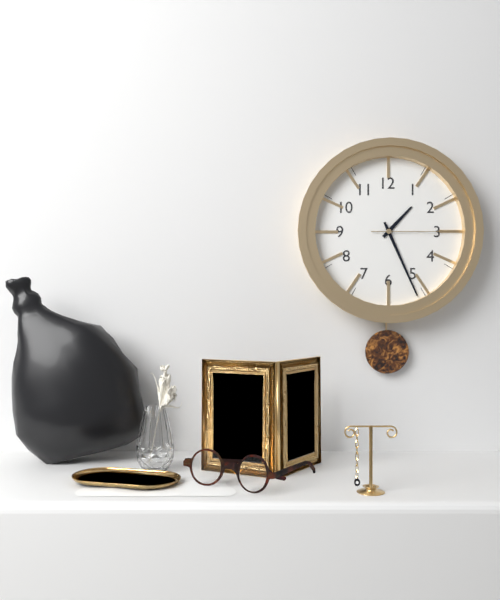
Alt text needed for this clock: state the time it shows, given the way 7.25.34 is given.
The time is 1.26.15
